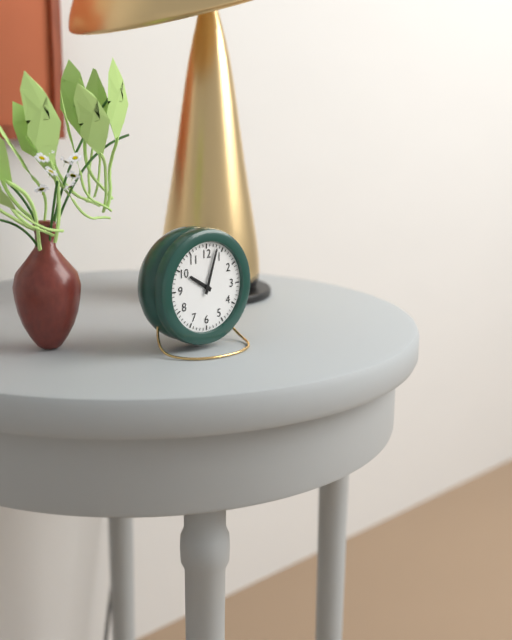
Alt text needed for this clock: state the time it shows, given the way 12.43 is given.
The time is 10.03
